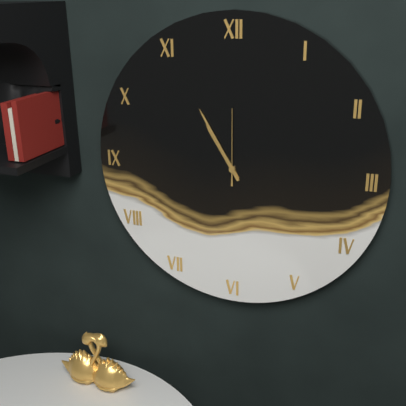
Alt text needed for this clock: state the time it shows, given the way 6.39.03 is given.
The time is 10.55.00
